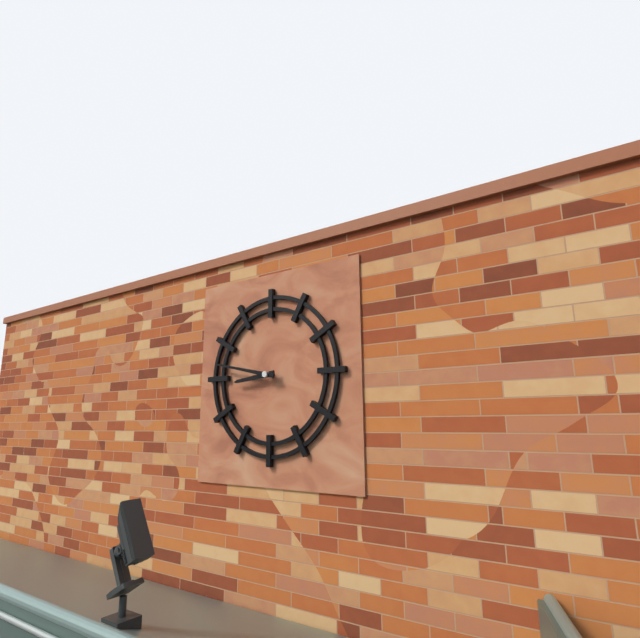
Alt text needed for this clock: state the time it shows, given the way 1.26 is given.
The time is 8.47
